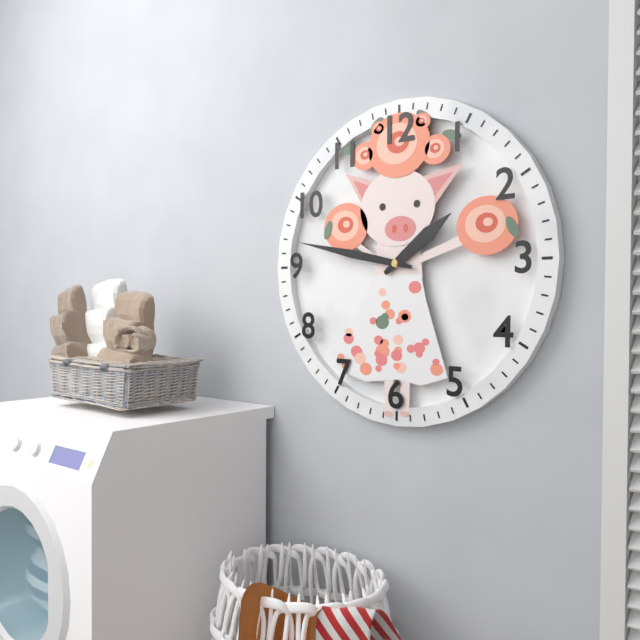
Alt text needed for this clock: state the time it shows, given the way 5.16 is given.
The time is 1.47
